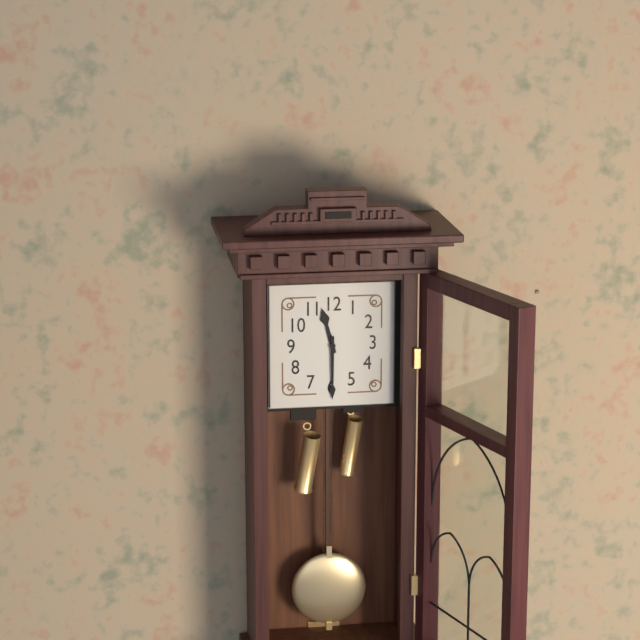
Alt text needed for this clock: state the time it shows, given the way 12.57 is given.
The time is 11.30
